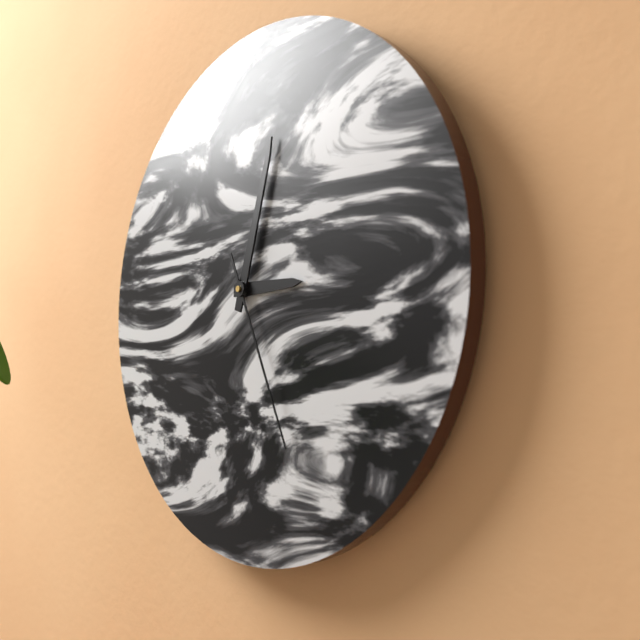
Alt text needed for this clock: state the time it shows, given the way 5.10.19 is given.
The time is 3.03.26
